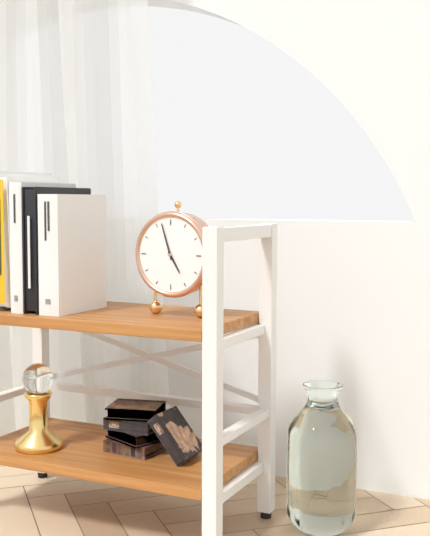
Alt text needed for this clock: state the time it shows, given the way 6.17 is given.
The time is 4.57
